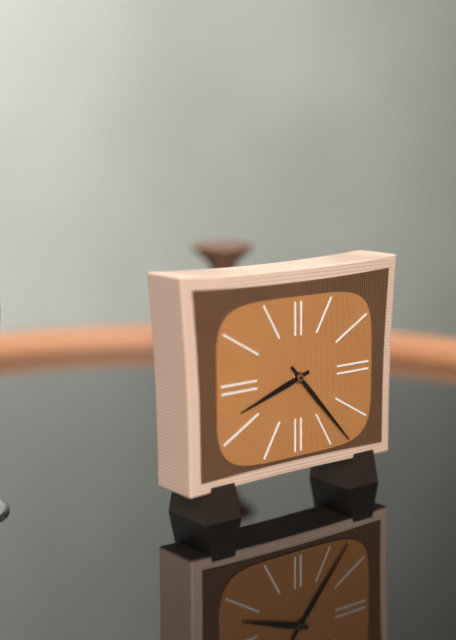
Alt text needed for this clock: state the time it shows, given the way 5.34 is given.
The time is 8.23
